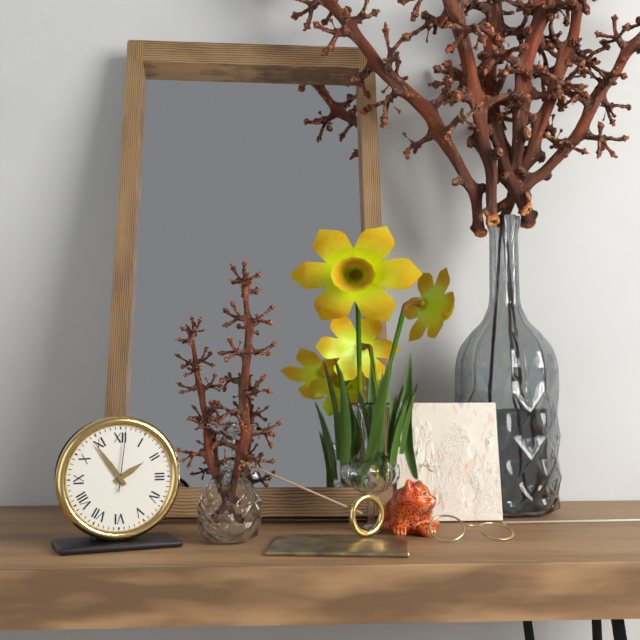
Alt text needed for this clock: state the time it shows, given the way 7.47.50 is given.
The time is 1.54.01
